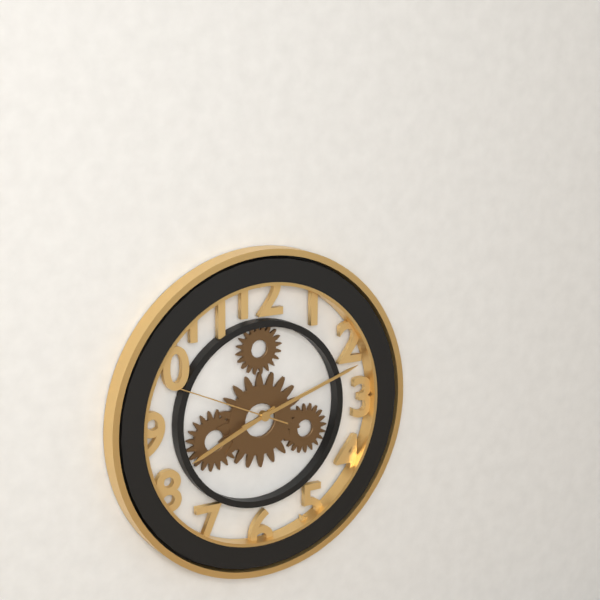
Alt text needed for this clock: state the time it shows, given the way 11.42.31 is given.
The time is 8.12.49
